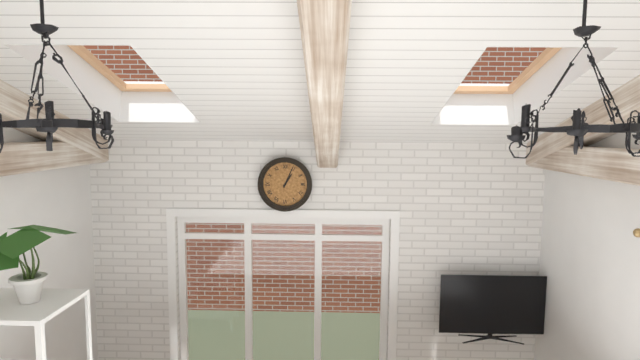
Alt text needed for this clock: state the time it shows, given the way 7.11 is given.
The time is 1.04
